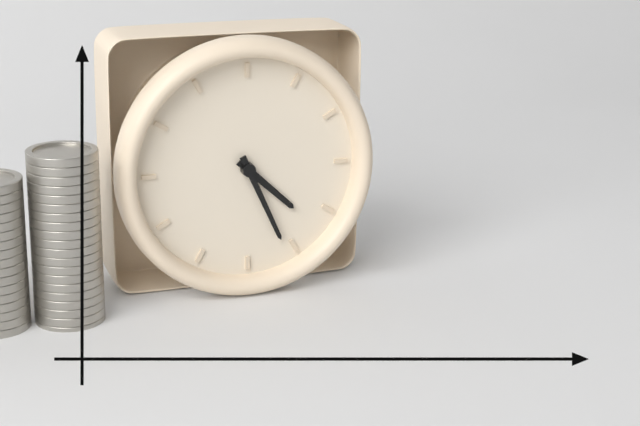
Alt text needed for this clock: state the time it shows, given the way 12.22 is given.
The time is 4.26
